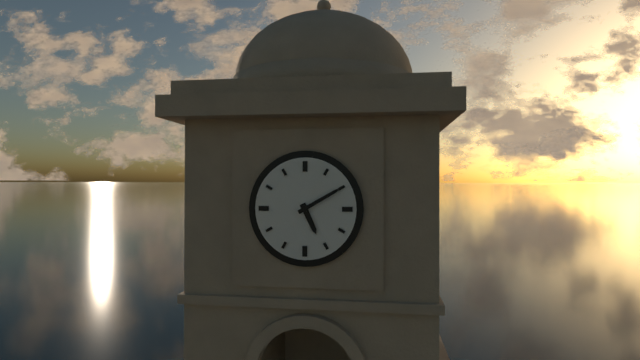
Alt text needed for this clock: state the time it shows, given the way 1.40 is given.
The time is 5.10
